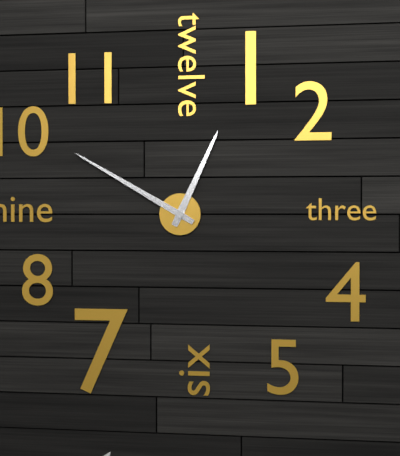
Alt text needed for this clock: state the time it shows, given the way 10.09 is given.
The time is 12.50
